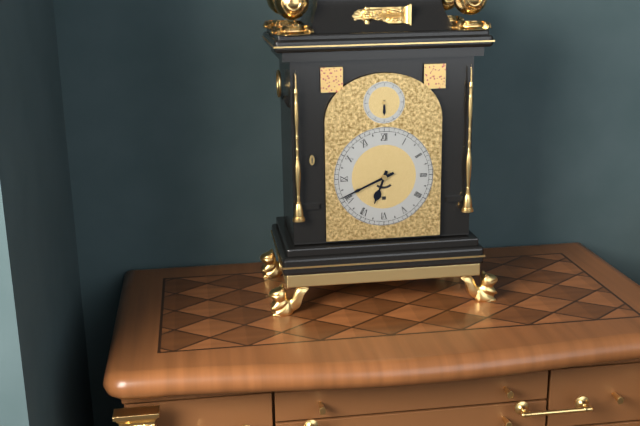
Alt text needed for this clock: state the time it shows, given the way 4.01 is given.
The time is 6.41
